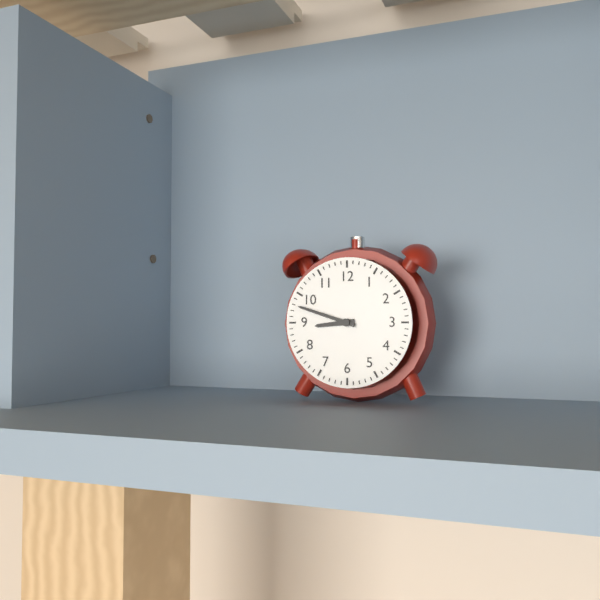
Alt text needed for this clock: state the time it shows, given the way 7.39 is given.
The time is 8.48
